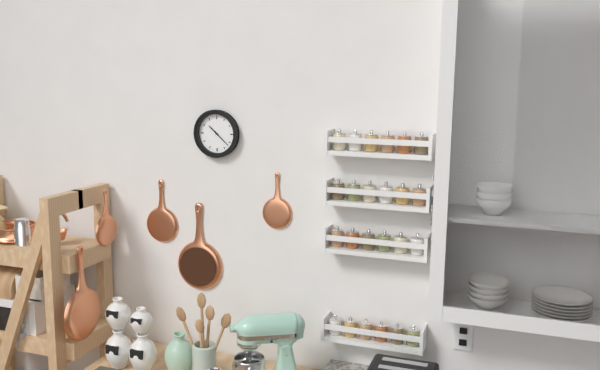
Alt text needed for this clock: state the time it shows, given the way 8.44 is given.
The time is 10.22
